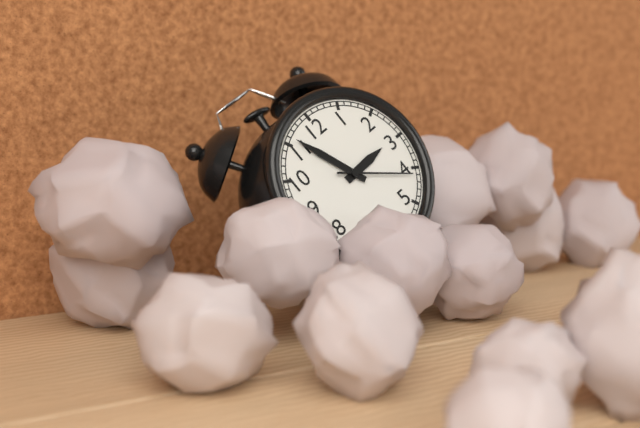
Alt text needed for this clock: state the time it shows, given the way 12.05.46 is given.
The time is 2.56.21
